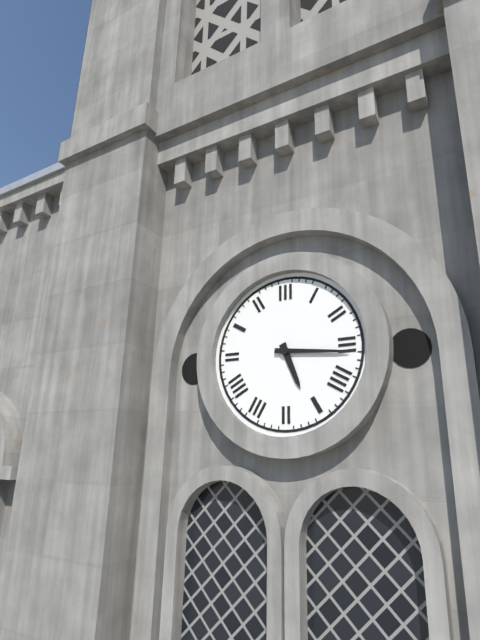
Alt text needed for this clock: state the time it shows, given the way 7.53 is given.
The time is 5.16
